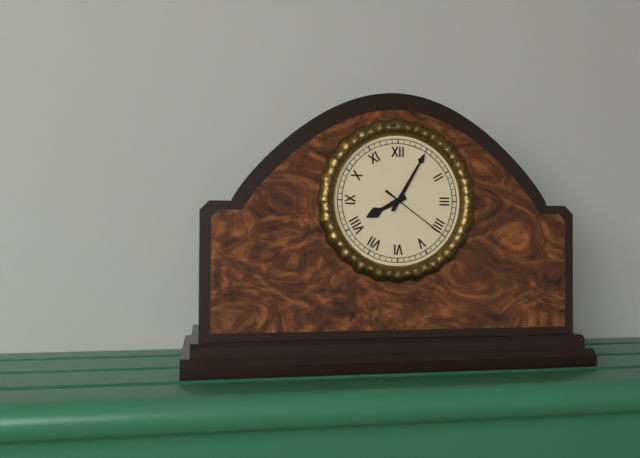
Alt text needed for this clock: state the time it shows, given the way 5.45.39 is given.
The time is 8.05.21
